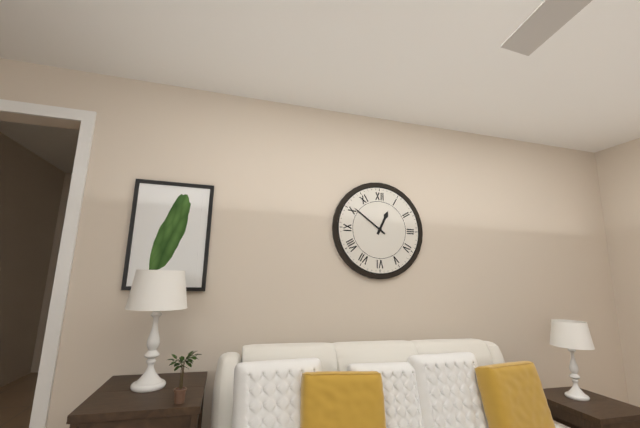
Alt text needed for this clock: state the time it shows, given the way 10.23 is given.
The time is 12.51
